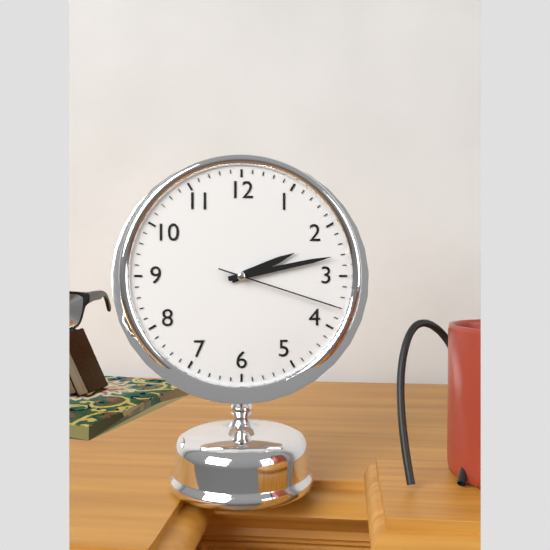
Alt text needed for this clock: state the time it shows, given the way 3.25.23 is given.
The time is 2.13.18
